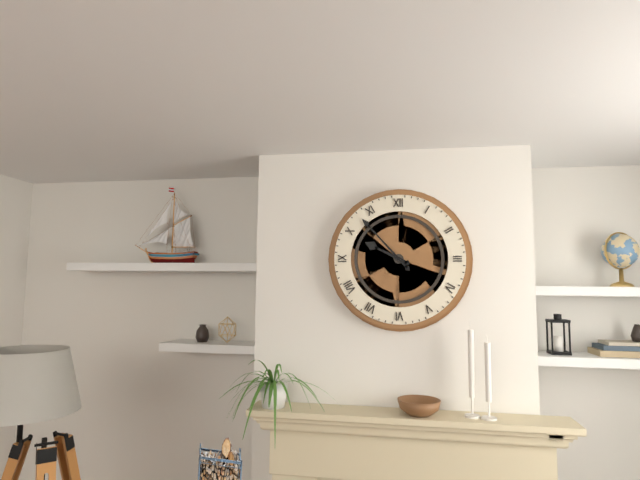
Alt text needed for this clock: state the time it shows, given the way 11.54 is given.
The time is 9.53
